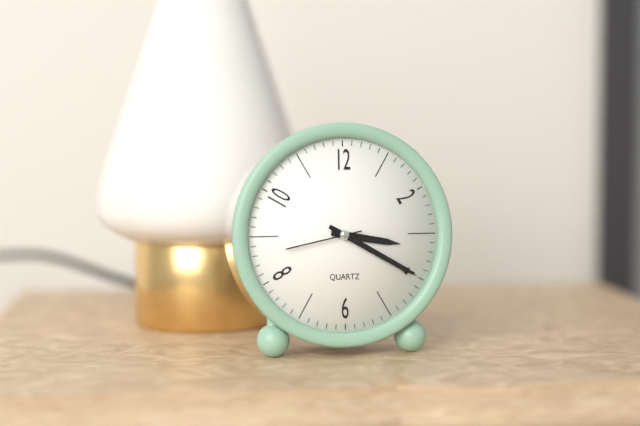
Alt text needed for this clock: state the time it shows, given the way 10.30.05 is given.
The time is 3.20.43
